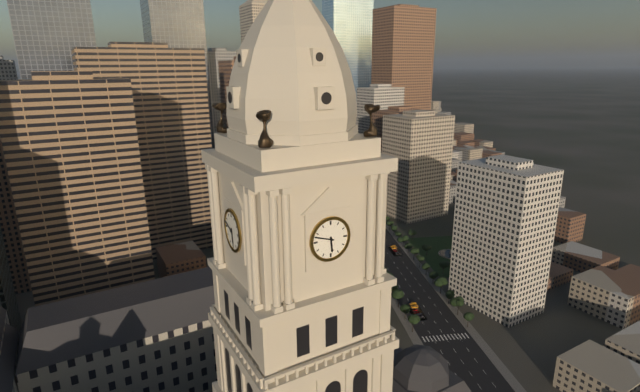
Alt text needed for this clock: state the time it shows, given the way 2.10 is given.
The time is 5.48
